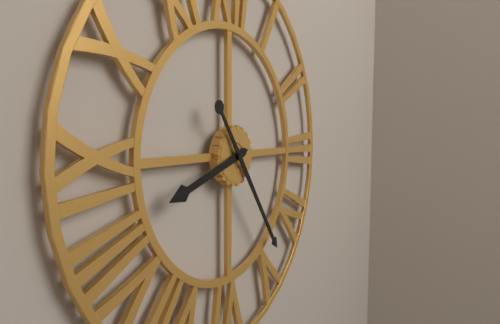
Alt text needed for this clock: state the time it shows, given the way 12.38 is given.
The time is 8.24
